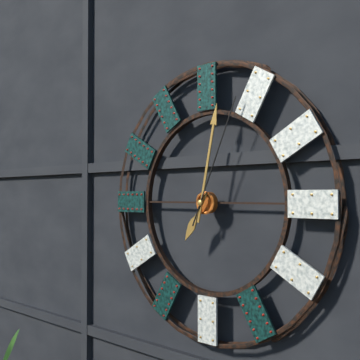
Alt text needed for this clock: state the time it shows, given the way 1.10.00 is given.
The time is 7.02.04
